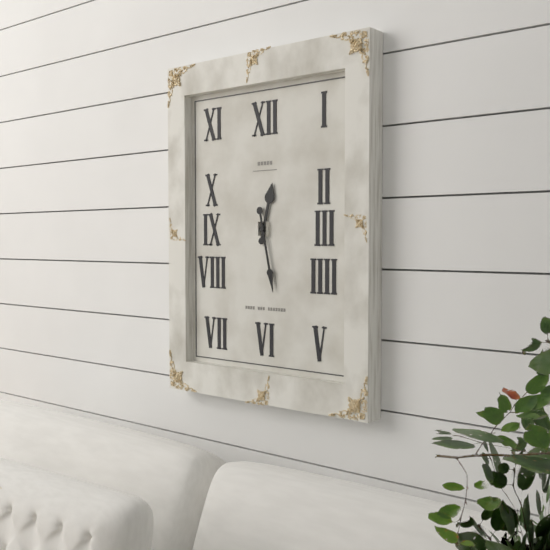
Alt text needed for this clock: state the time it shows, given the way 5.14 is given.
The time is 12.28
